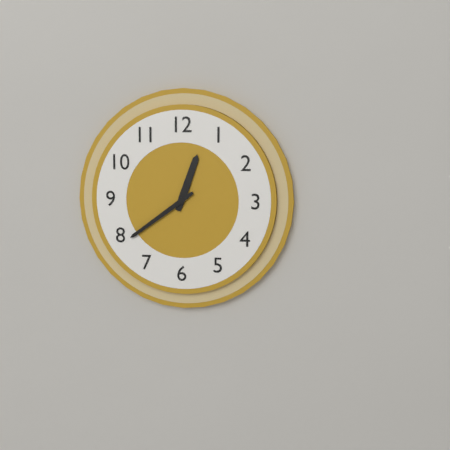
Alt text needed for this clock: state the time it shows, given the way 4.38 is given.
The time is 12.39
